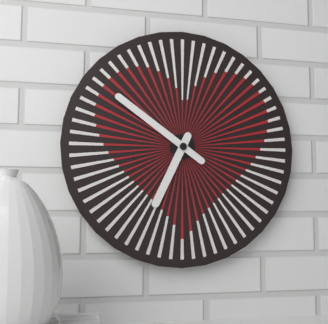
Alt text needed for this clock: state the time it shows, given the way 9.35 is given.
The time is 6.51
